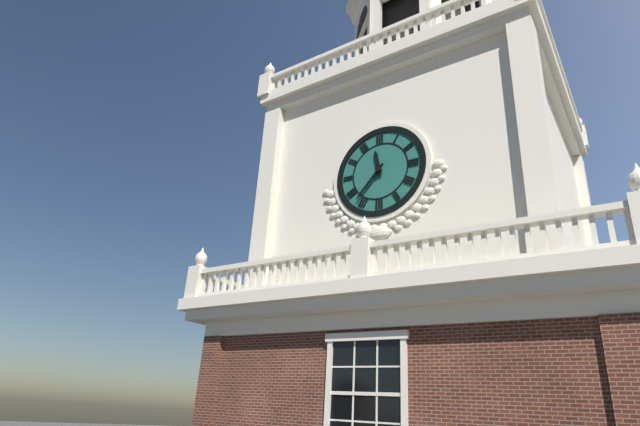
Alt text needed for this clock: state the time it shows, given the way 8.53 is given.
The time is 11.37
